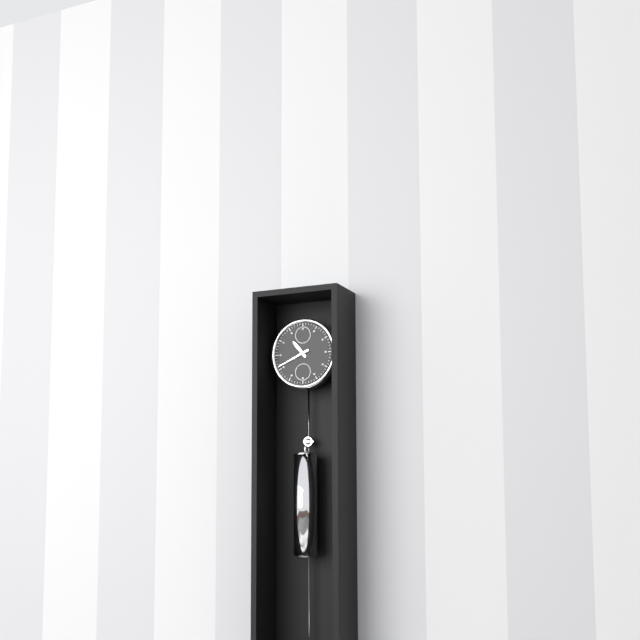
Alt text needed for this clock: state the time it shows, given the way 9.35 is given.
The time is 10.41
